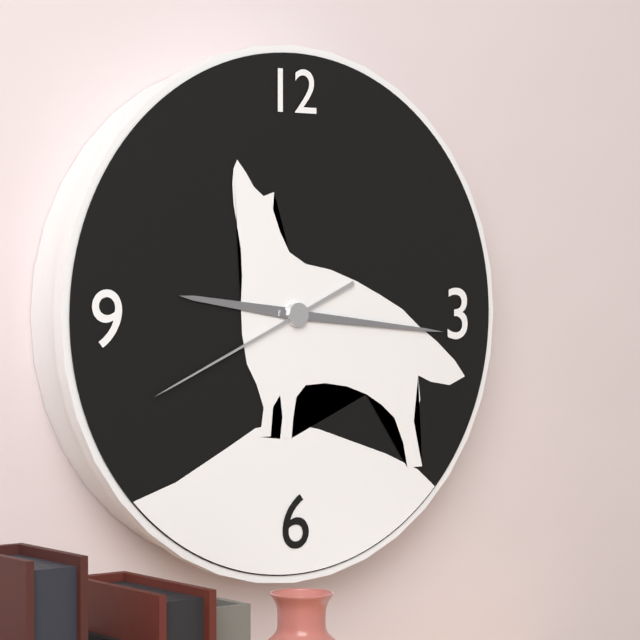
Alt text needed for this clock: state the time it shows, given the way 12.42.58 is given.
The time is 9.16.41
